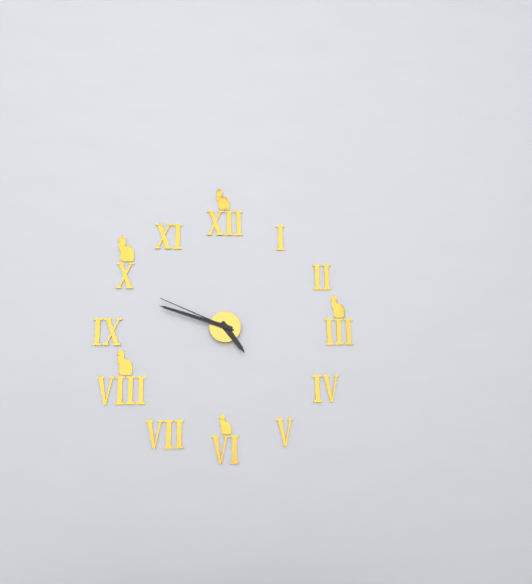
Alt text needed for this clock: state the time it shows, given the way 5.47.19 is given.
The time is 4.48.49
